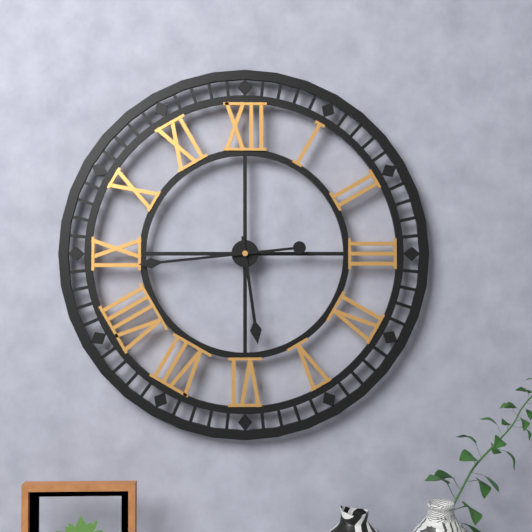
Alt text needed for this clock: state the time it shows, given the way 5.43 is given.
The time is 5.44
